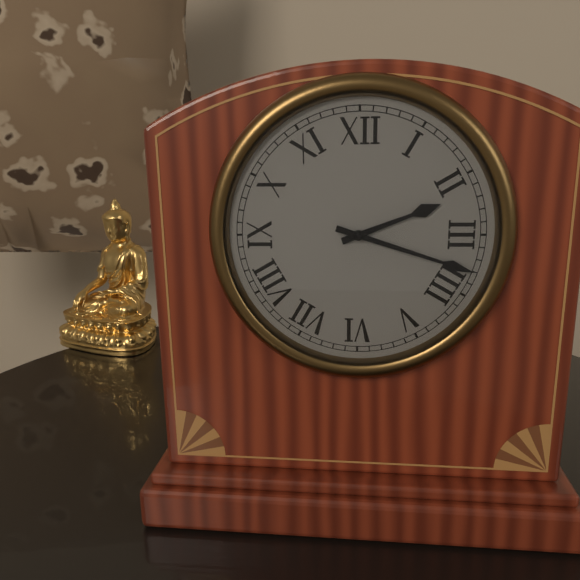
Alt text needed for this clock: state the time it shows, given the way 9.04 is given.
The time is 2.18
